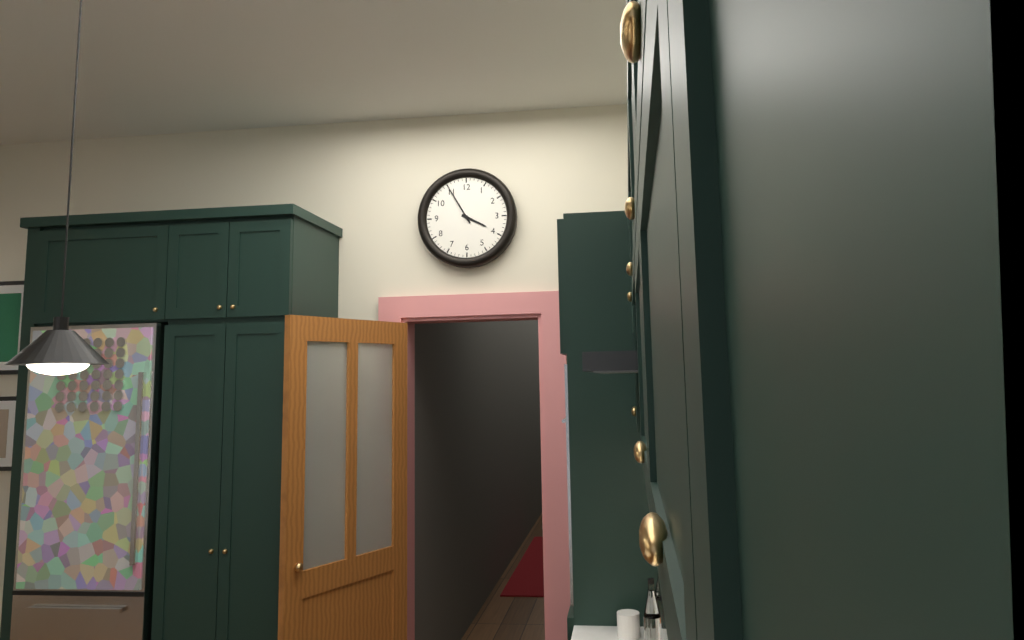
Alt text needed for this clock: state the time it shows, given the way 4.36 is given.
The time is 3.55
